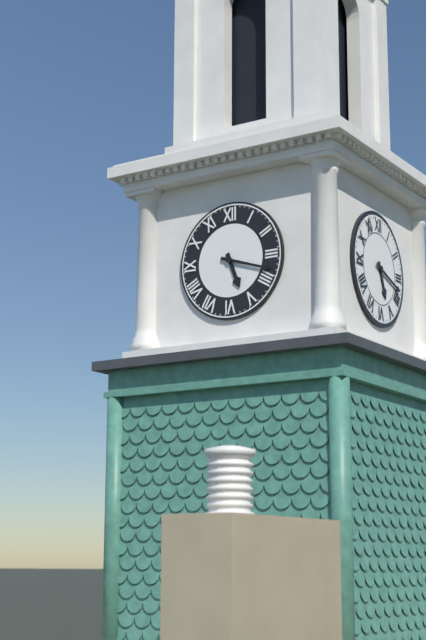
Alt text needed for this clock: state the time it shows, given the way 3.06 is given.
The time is 5.18
